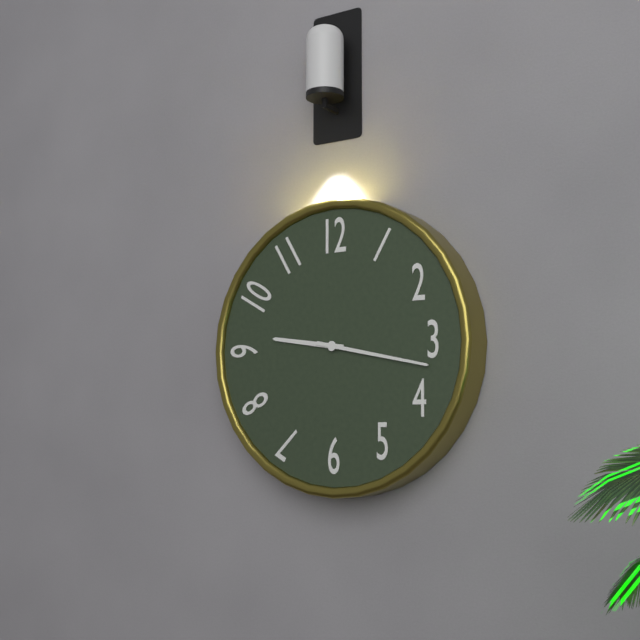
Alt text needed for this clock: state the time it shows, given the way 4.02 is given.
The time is 9.17
